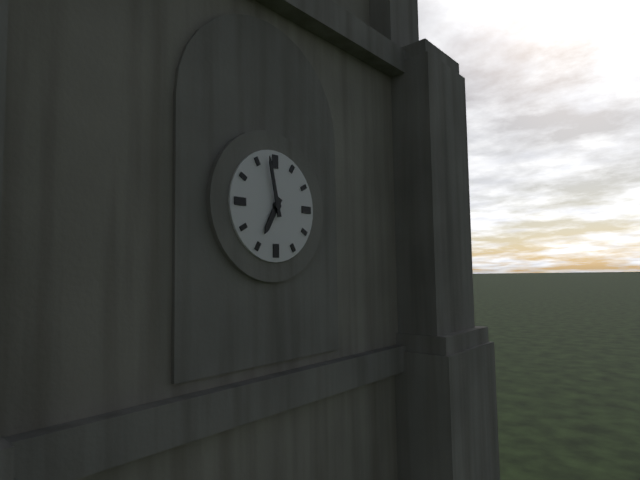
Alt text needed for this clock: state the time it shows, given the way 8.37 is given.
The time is 6.58
